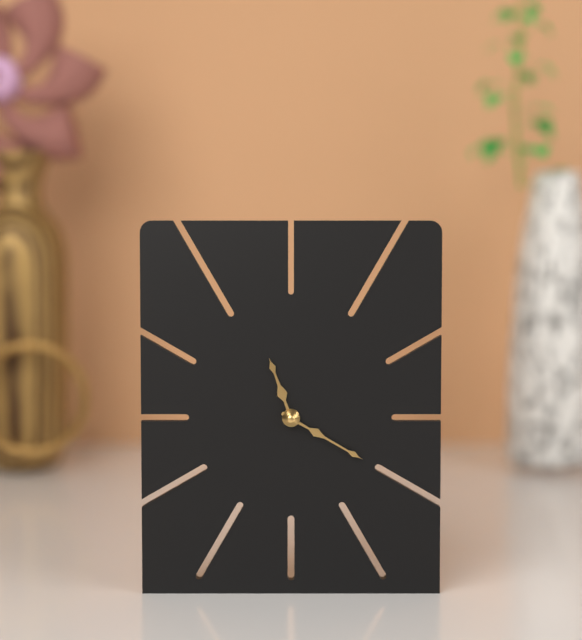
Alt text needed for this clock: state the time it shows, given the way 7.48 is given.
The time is 11.20
